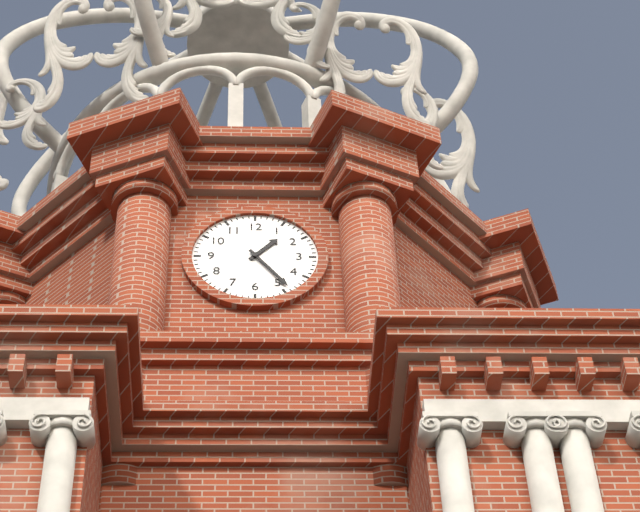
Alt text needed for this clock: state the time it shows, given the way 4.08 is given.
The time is 1.24
